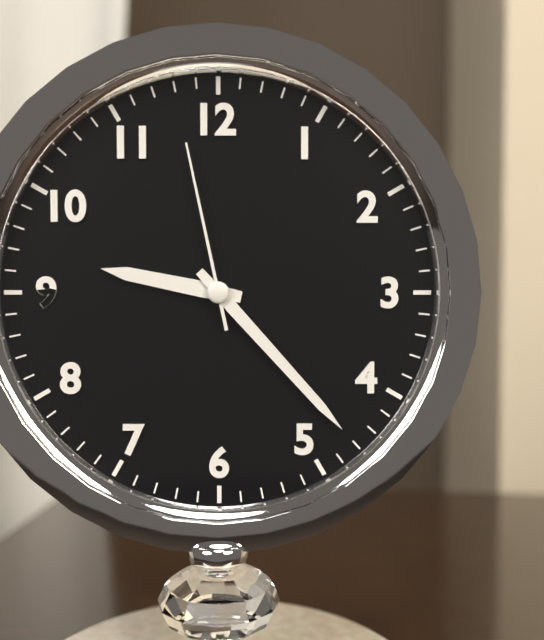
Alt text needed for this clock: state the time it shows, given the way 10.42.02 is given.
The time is 9.23.58
